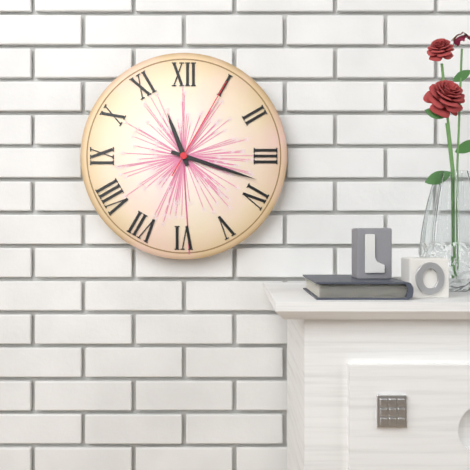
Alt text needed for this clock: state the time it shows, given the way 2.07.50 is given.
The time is 11.18.05
